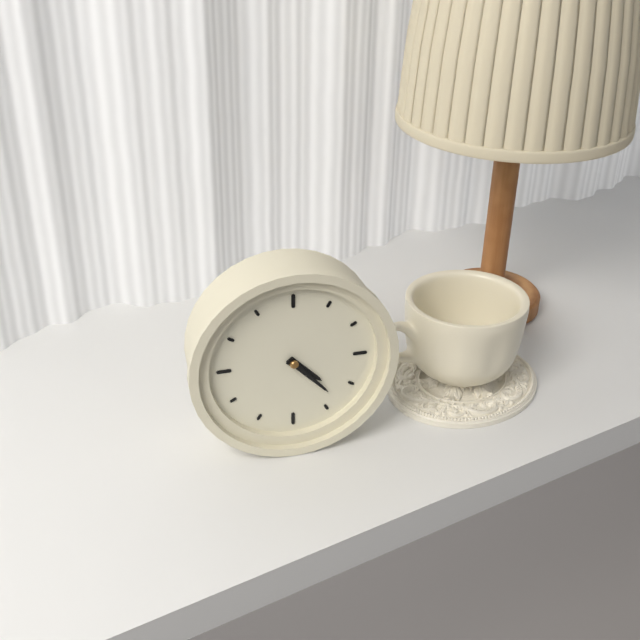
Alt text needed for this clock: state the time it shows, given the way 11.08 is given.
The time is 4.23
